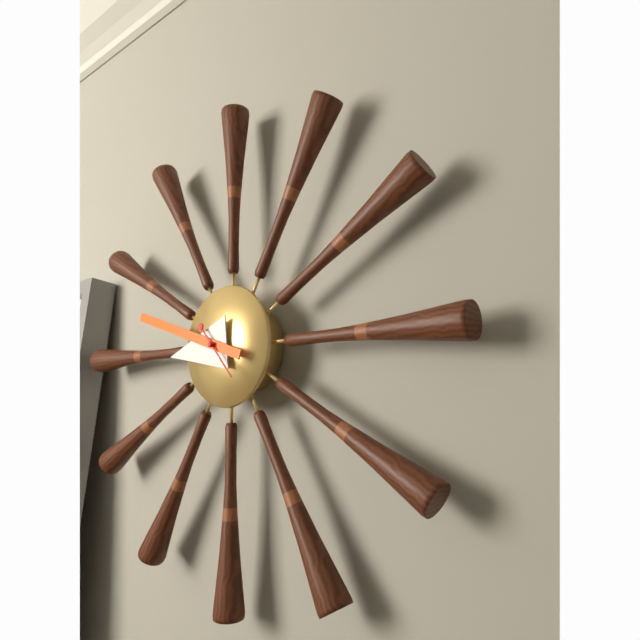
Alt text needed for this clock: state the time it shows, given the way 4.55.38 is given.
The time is 8.48.23
